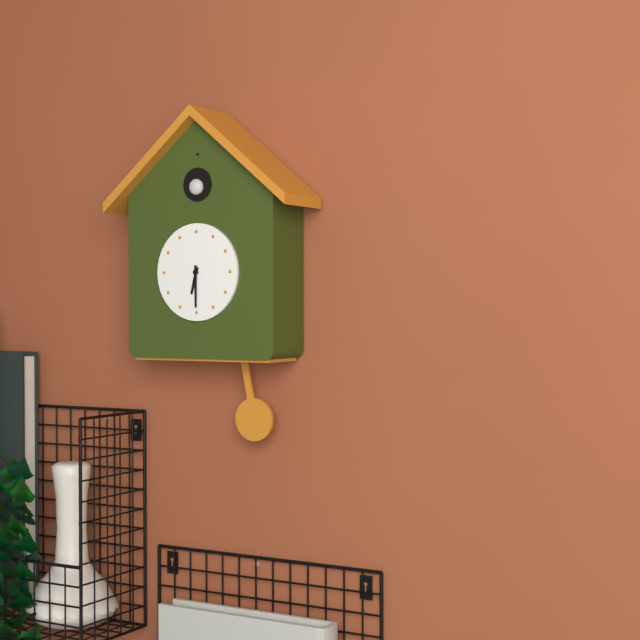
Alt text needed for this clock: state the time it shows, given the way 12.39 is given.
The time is 6.30
